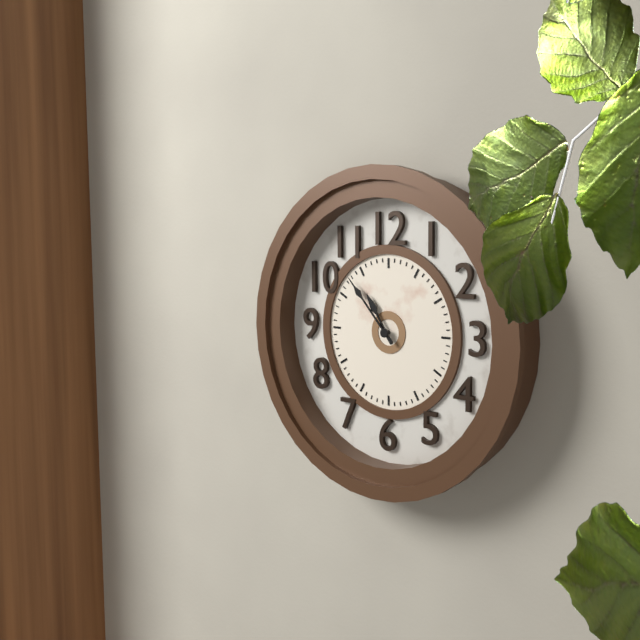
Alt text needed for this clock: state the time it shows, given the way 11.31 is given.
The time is 10.53
